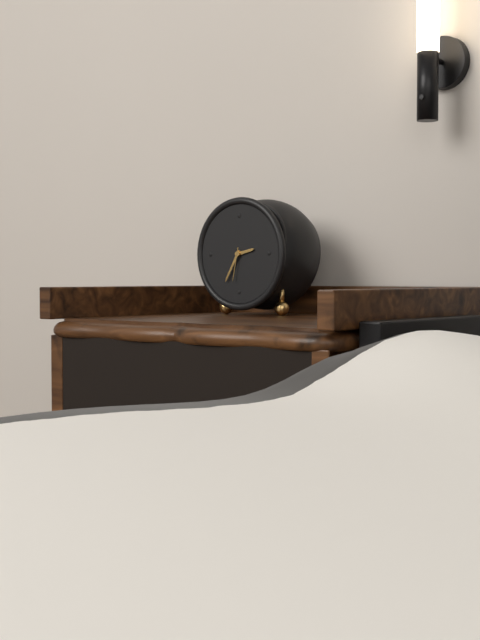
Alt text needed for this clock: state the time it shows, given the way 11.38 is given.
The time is 2.35
